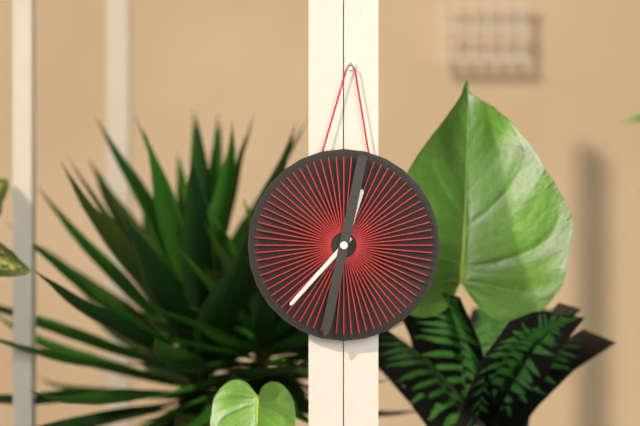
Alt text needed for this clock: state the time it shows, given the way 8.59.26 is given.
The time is 12.37.32
